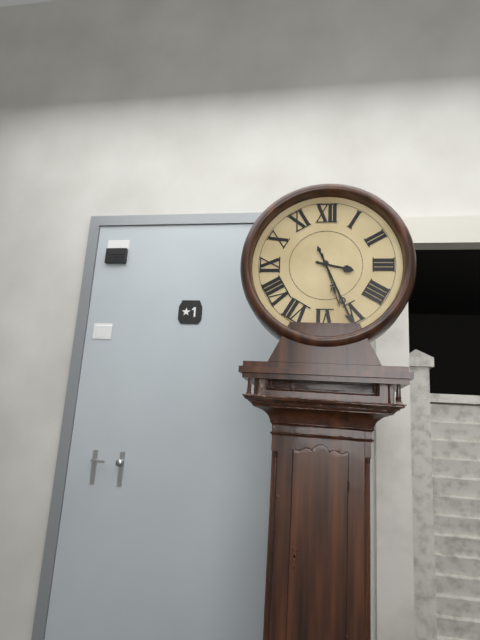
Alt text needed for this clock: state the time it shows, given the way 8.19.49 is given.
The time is 3.26.27
